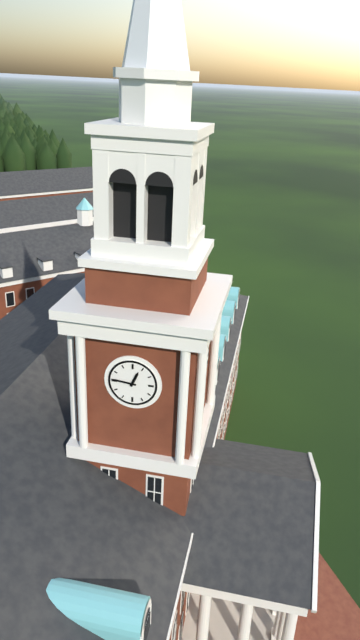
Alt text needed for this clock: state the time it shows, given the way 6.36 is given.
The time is 12.46
